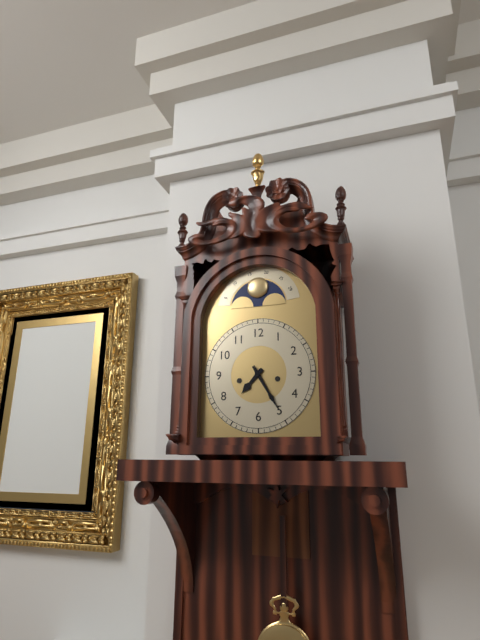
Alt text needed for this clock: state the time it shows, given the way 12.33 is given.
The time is 7.25
